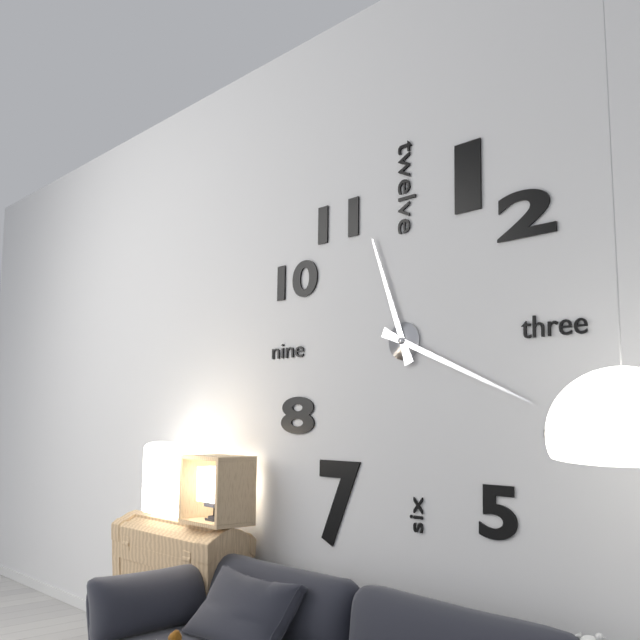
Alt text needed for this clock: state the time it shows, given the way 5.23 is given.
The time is 11.19
